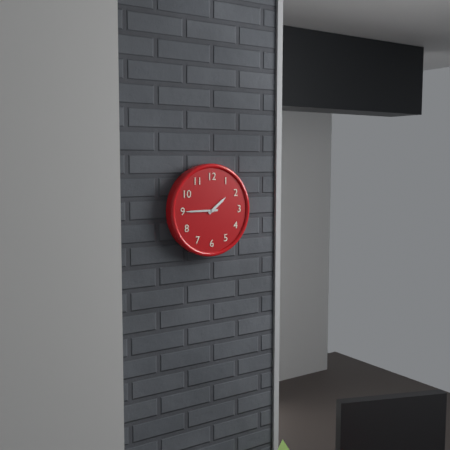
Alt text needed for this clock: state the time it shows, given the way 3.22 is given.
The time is 1.45
